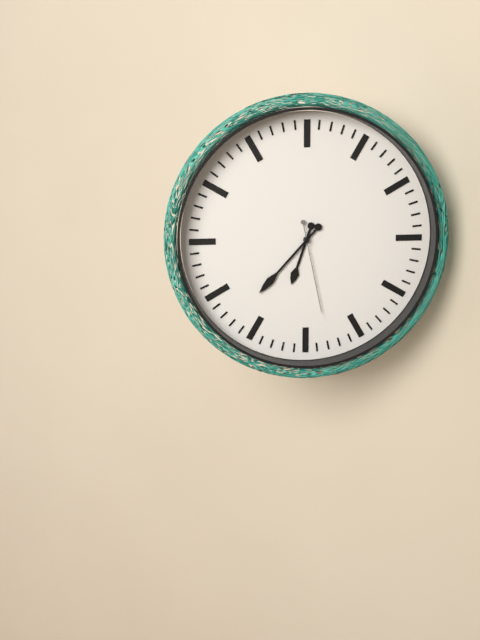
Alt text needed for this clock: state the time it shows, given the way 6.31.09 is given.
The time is 6.37.28
